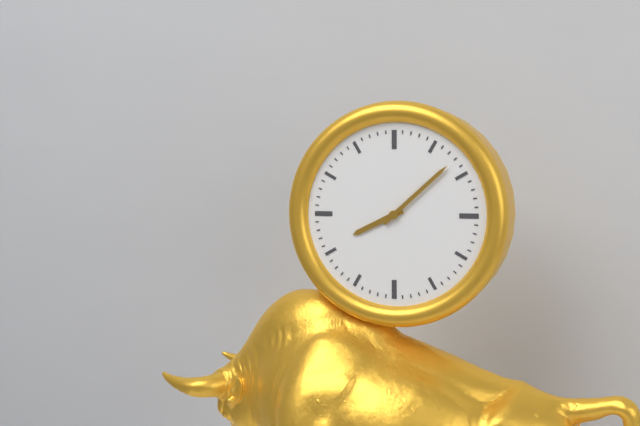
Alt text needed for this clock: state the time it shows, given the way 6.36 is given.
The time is 8.08
